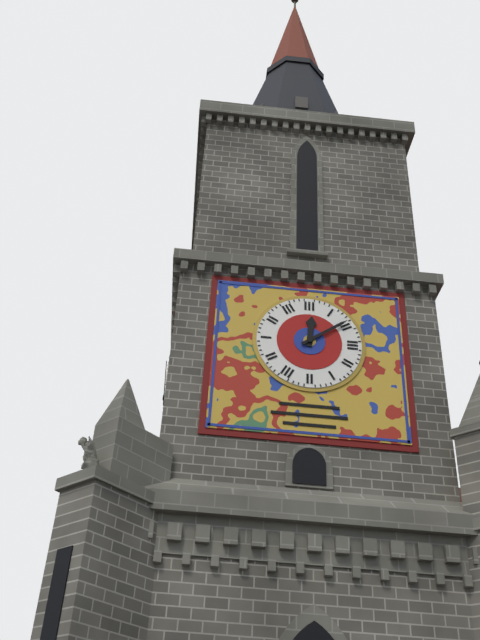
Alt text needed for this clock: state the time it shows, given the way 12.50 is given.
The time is 12.09
